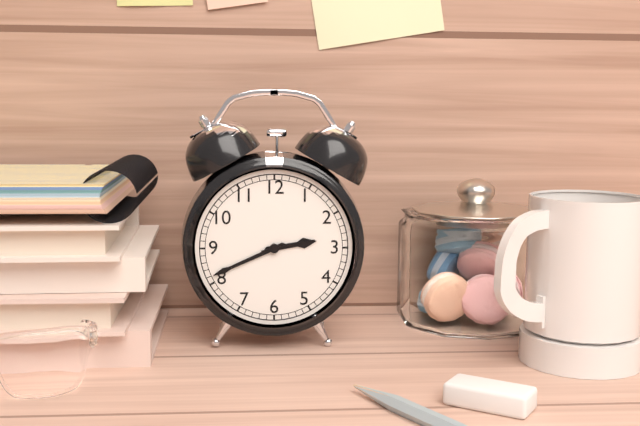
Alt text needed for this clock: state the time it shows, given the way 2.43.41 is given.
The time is 2.41.13
